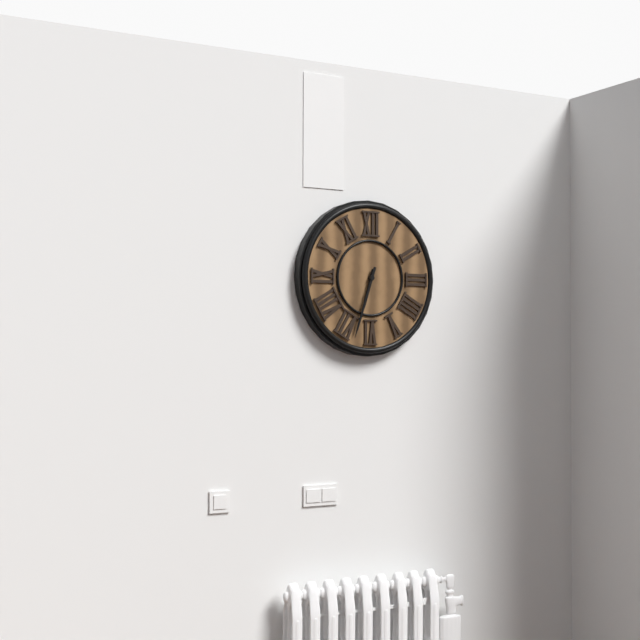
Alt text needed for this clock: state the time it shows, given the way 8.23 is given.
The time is 6.33
